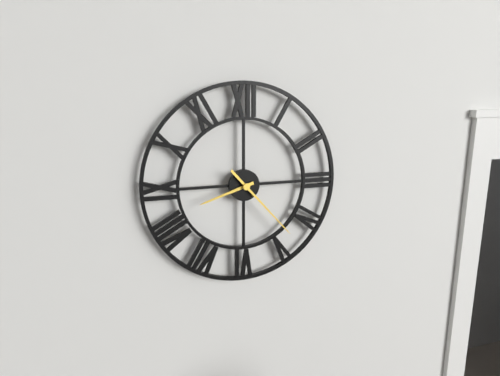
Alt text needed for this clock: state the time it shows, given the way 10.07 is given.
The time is 8.23
